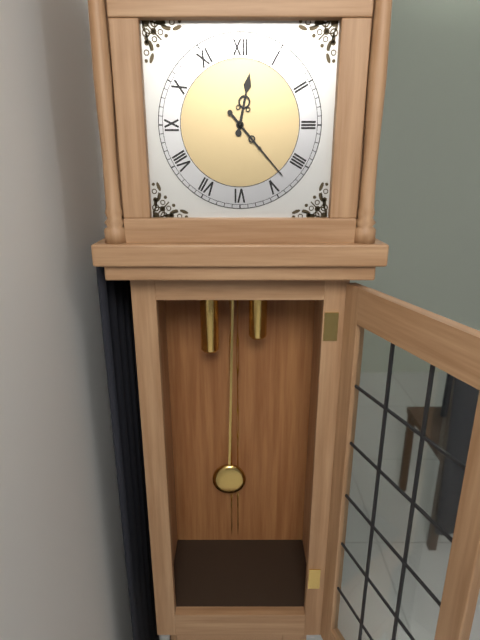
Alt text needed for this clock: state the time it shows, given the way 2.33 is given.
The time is 12.23
